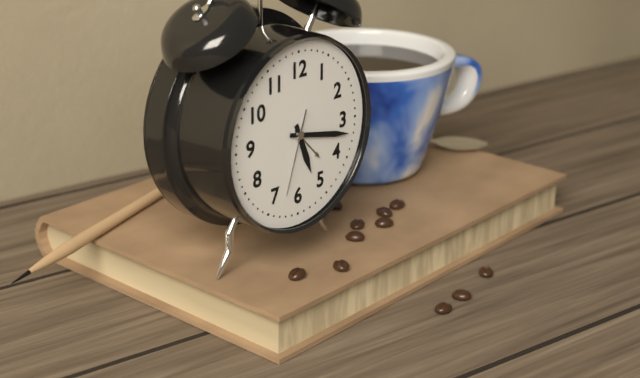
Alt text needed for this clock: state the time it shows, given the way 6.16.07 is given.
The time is 5.17.33
